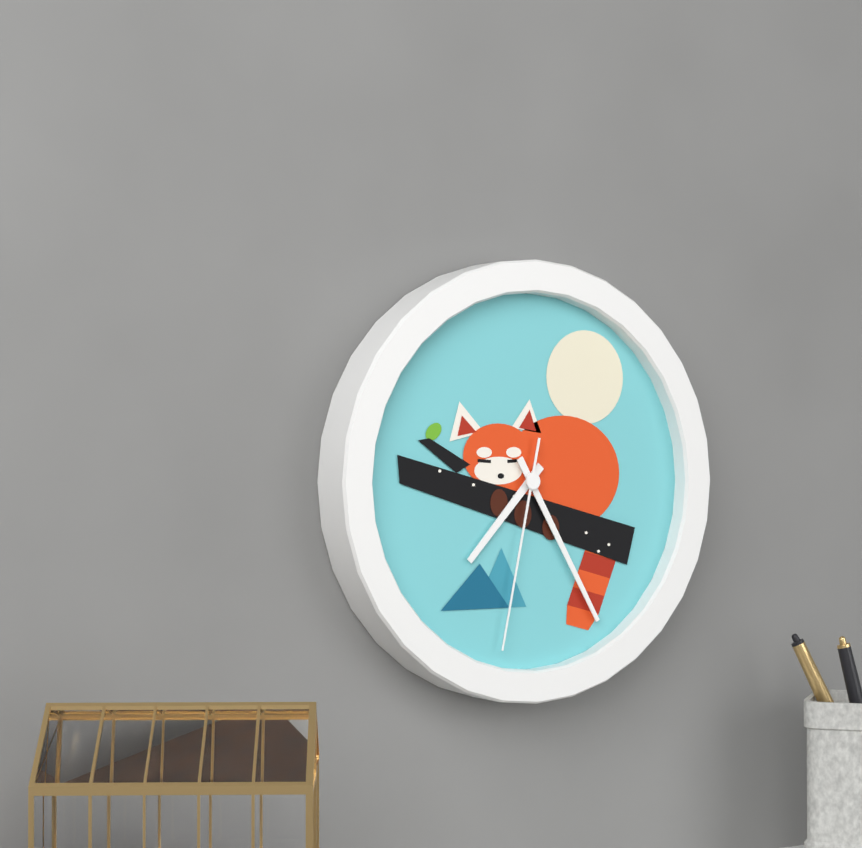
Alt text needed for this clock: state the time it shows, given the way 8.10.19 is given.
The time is 7.25.32
